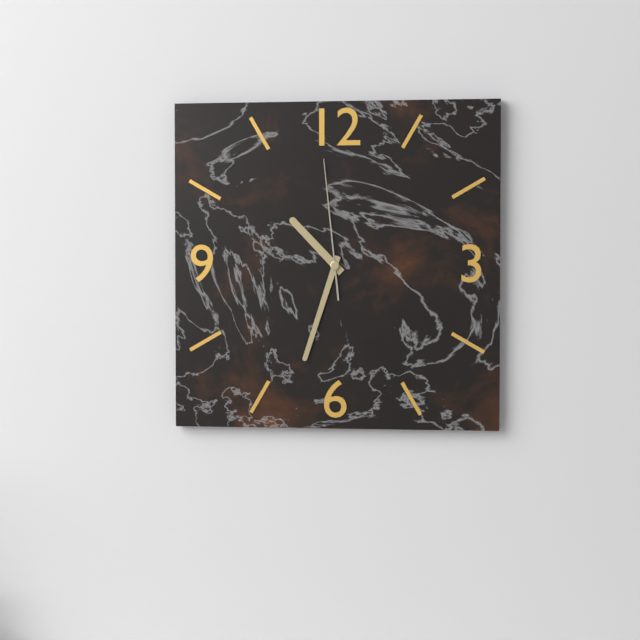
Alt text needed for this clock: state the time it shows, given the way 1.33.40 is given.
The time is 10.33.59
